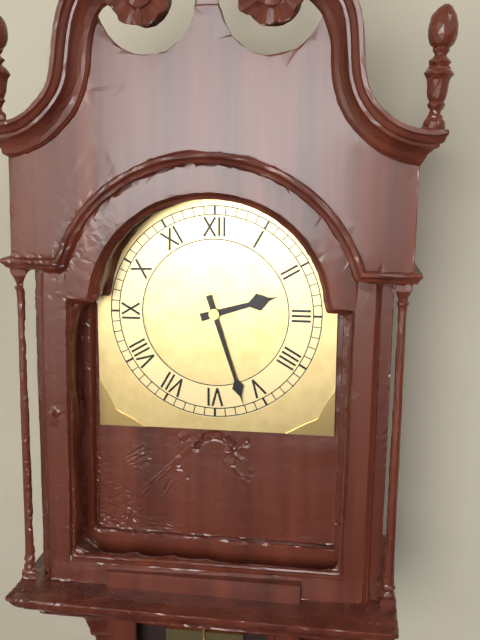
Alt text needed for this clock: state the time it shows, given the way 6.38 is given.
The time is 2.27
